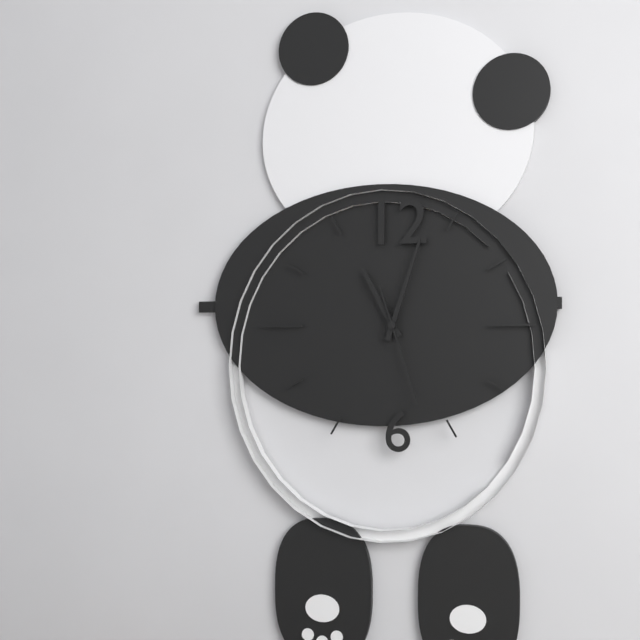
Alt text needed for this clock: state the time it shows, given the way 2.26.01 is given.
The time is 11.03.27
